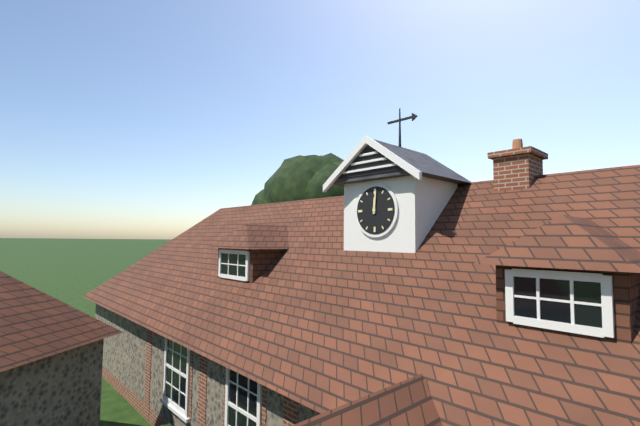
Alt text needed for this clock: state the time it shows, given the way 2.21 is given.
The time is 12.01
